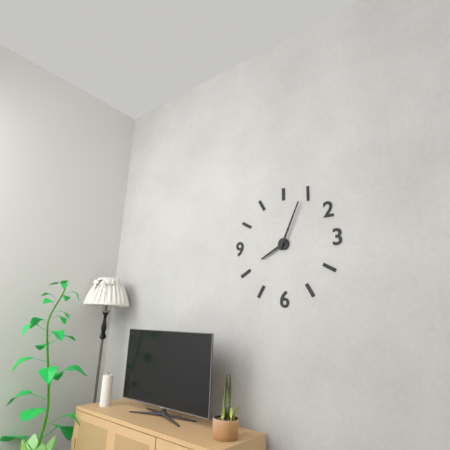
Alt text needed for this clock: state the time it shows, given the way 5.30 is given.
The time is 8.04
